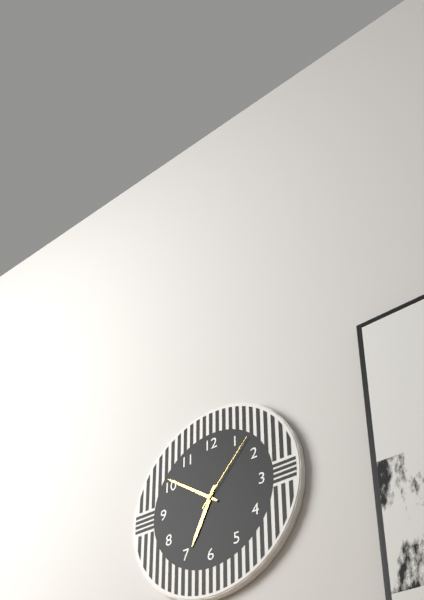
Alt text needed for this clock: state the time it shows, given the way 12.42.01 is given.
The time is 6.51.07
